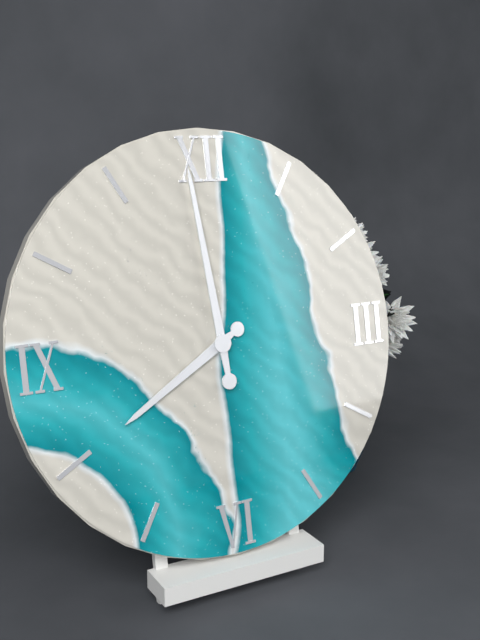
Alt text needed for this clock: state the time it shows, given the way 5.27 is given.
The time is 7.59
